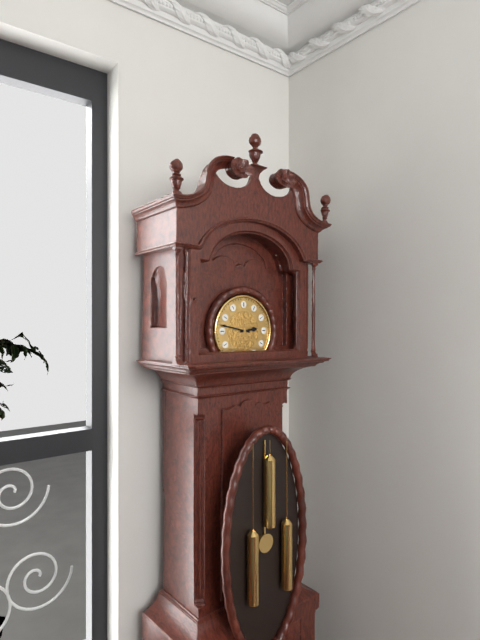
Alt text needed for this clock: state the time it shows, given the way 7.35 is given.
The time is 2.47
